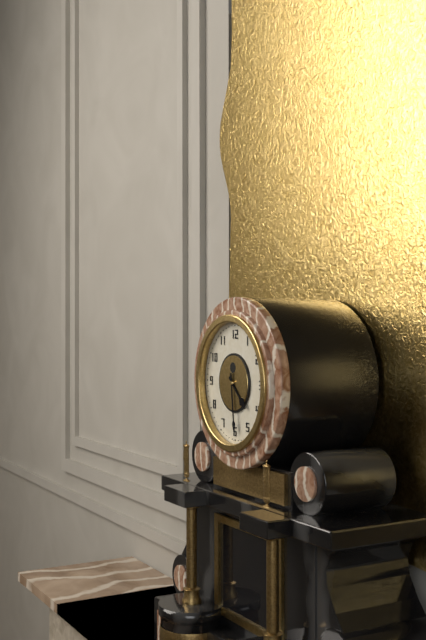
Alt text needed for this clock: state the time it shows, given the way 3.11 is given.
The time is 4.29
